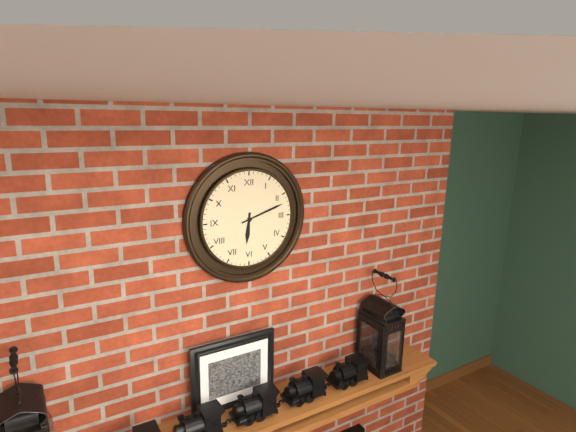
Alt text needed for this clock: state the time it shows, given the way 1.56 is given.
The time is 6.12
